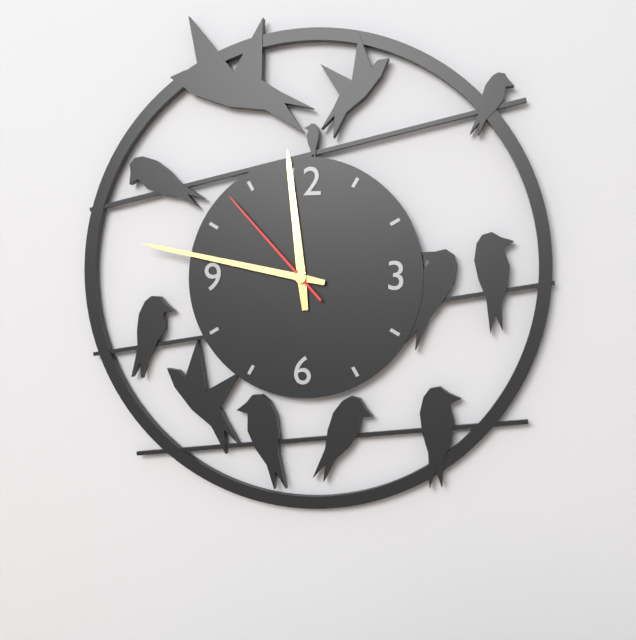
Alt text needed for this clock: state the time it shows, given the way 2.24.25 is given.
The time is 11.47.53
